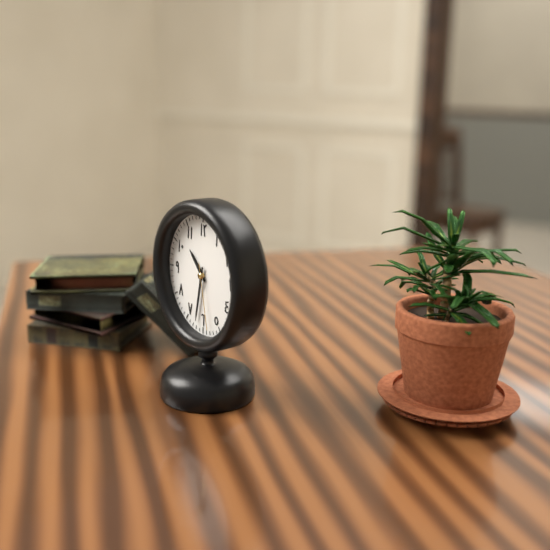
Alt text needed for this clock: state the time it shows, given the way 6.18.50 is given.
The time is 10.32.28
